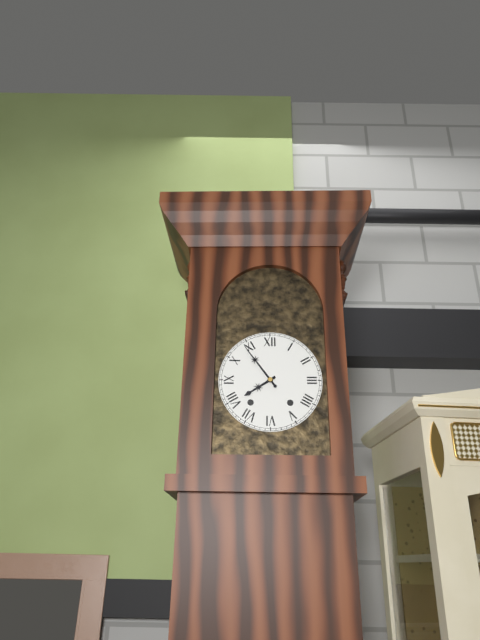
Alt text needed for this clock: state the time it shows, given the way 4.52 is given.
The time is 7.54
